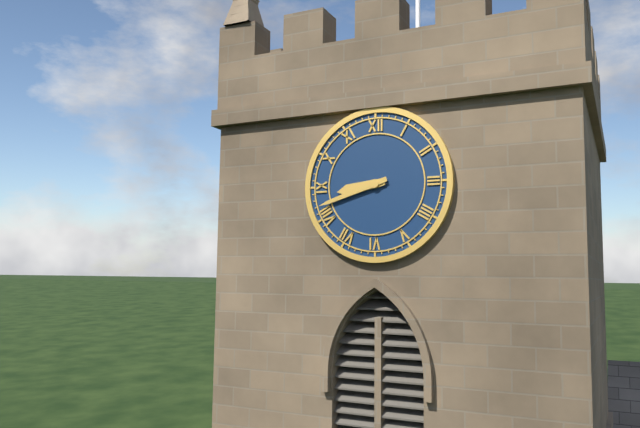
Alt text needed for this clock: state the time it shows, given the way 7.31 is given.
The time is 8.42
